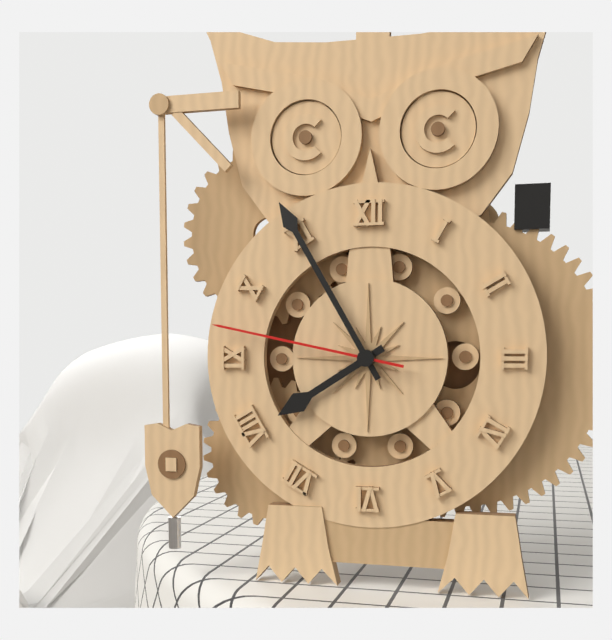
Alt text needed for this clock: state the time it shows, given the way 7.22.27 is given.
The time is 7.55.47
